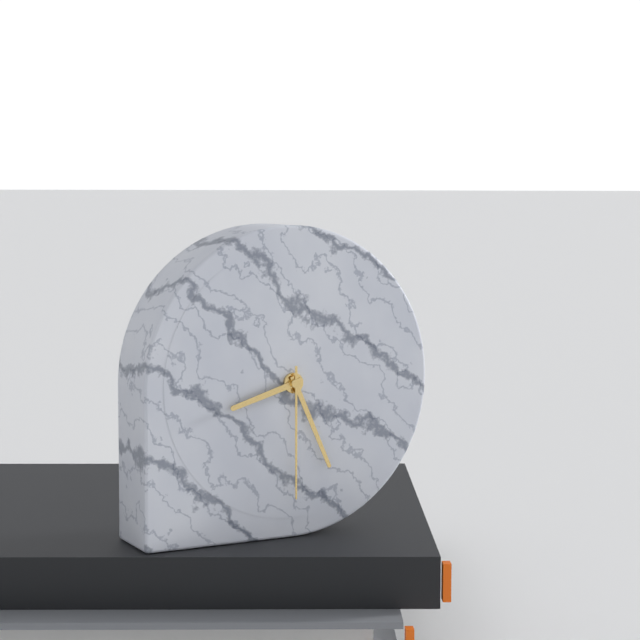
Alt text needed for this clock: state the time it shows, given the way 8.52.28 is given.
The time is 8.26.30
